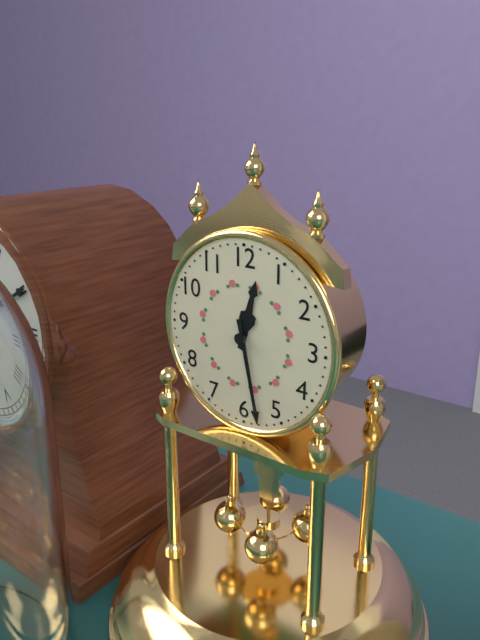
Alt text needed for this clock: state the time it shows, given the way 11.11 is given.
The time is 12.28
